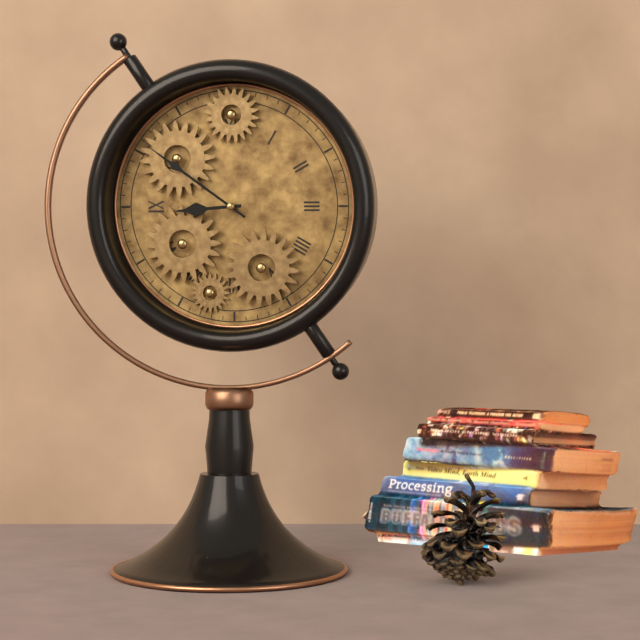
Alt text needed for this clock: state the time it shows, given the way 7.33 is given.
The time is 8.51
